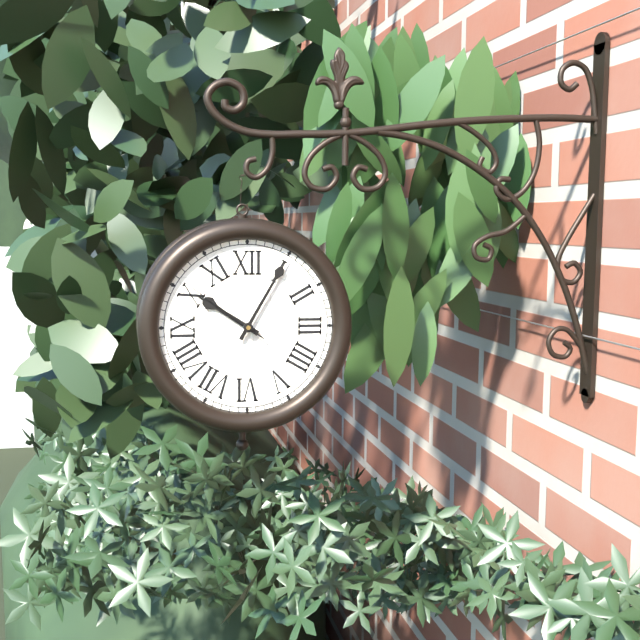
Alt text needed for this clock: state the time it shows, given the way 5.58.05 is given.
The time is 10.05.51
